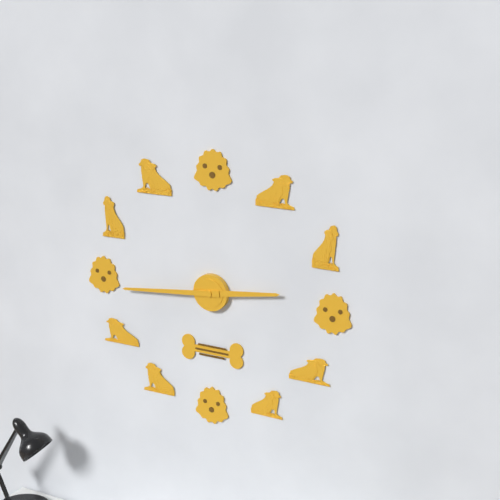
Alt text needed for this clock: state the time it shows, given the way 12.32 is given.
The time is 2.44
